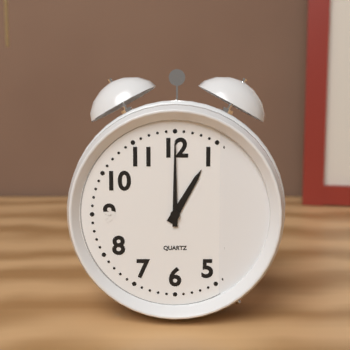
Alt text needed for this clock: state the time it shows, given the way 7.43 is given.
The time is 1.00
